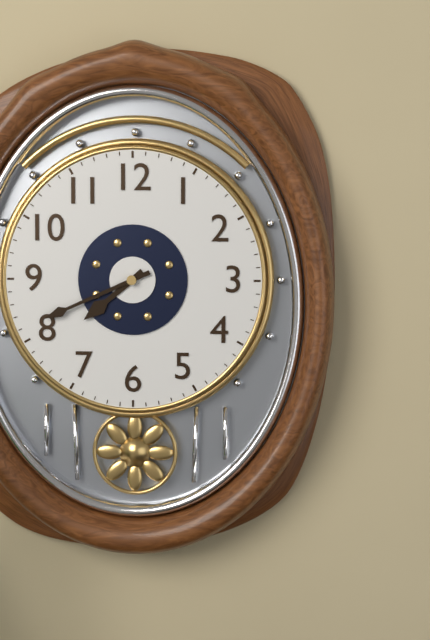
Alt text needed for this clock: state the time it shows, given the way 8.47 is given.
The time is 7.41
